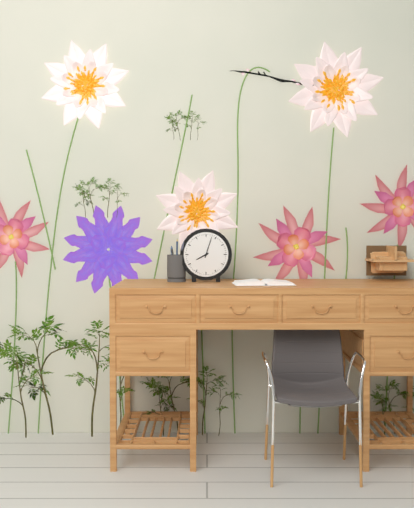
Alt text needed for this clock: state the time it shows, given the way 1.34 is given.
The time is 8.03
